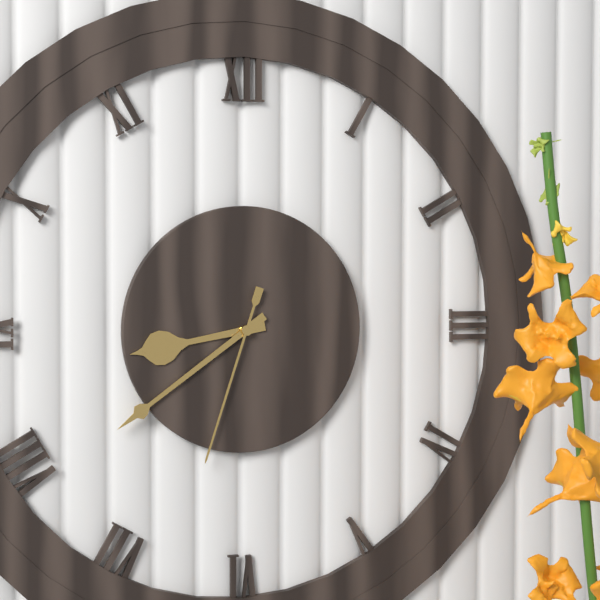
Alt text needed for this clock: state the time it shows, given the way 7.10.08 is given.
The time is 8.39.33
